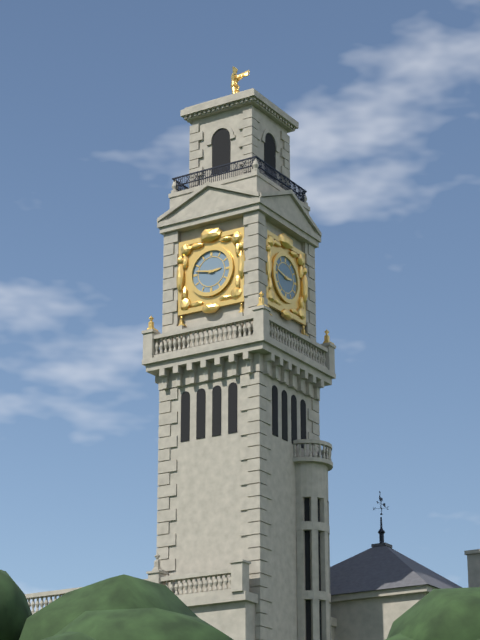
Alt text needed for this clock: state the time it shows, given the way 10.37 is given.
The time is 2.47
